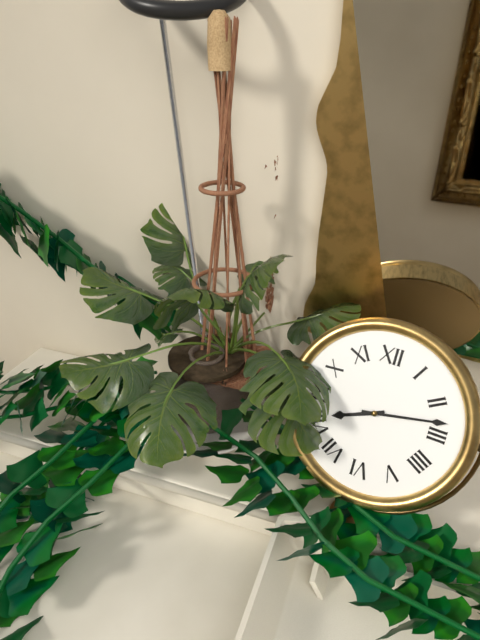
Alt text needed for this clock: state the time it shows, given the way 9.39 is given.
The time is 8.13
